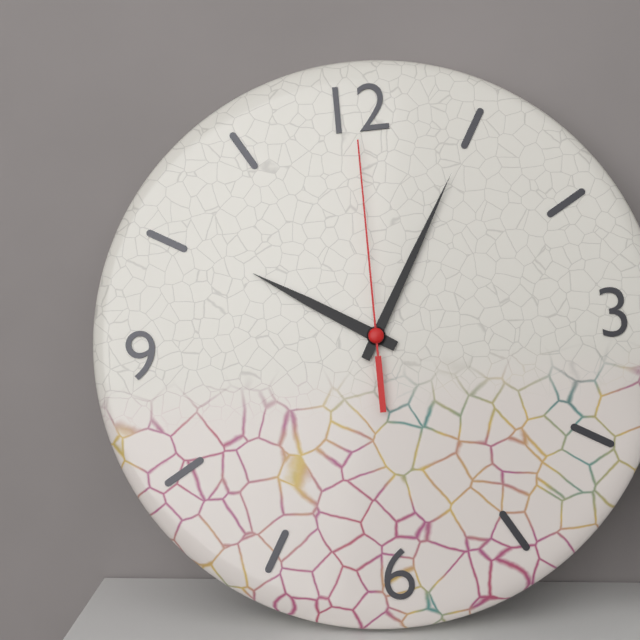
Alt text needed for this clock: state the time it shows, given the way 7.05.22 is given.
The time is 10.05.00
